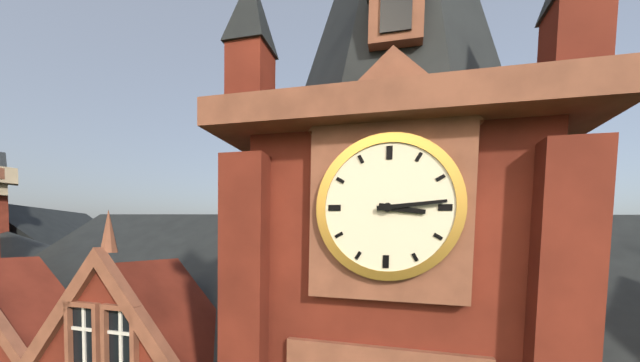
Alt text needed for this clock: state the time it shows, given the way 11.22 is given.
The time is 3.14
